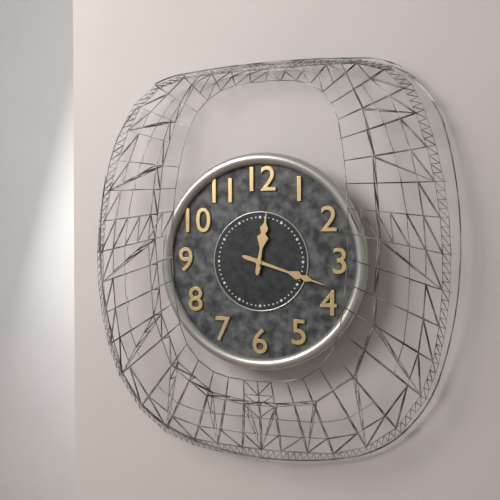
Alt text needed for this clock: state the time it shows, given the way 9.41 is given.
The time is 12.18
